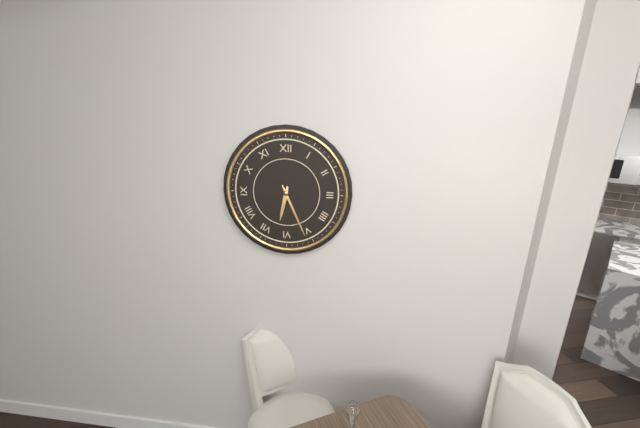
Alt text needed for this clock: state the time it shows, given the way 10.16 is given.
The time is 6.26
